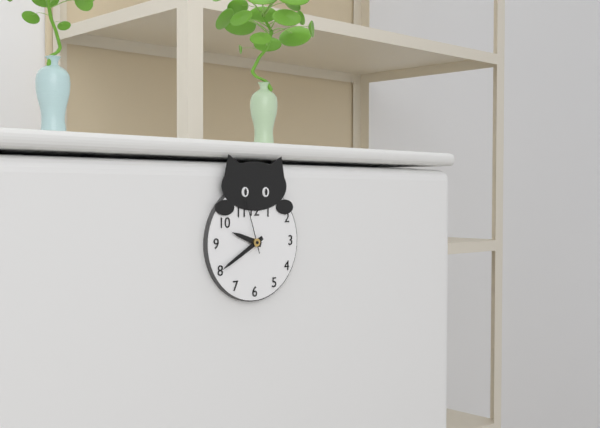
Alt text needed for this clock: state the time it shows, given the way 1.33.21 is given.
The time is 9.40.57
